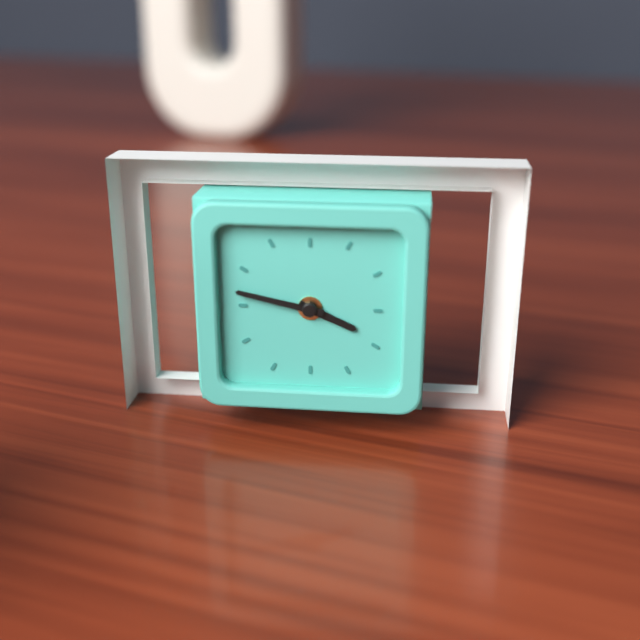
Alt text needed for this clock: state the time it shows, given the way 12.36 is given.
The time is 3.47
